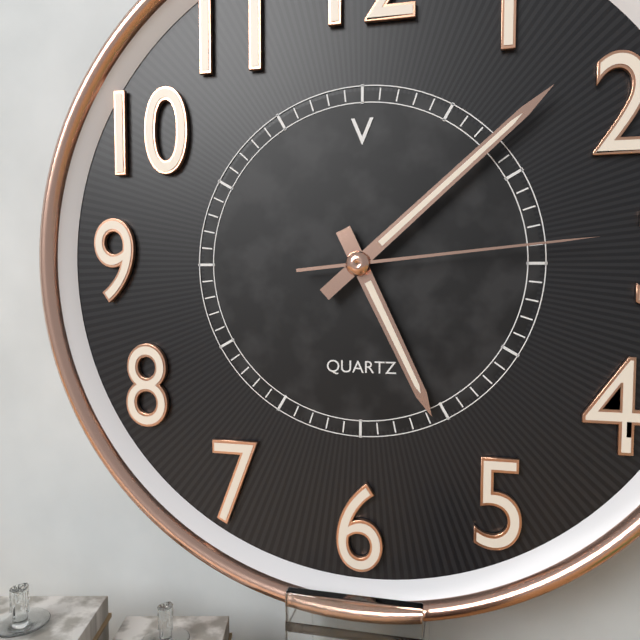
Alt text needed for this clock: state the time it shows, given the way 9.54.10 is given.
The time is 5.08.14
